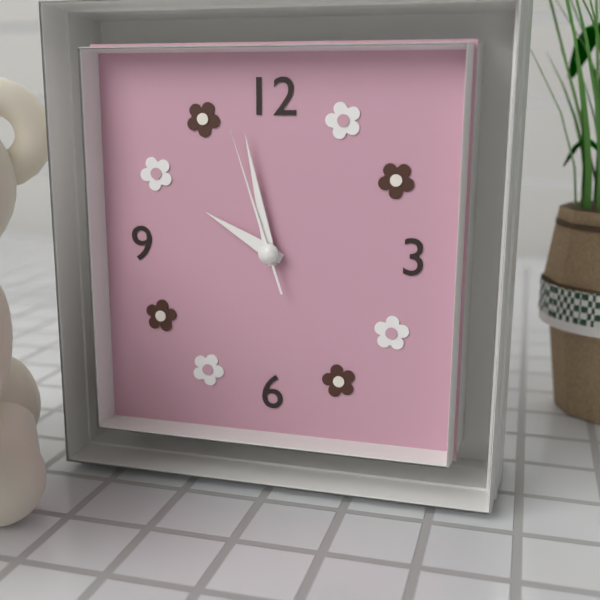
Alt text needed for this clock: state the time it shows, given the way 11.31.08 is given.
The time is 9.58.57
